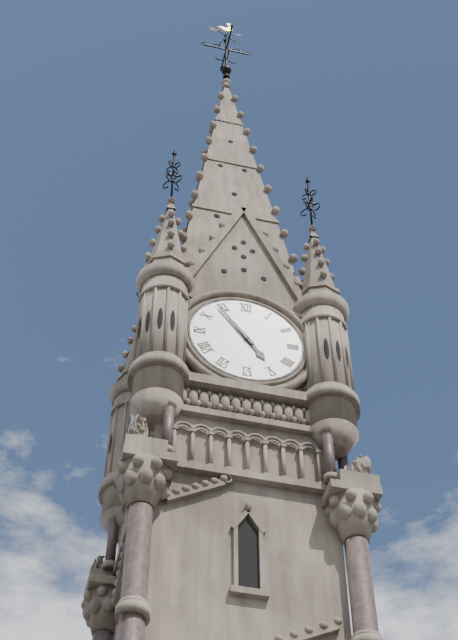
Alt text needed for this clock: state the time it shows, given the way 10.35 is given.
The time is 4.54
